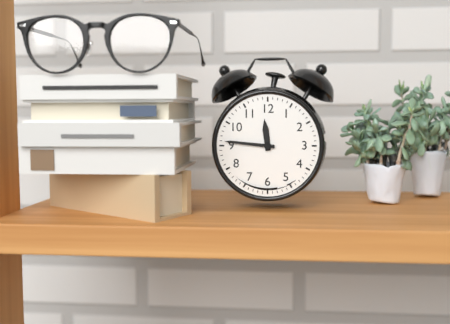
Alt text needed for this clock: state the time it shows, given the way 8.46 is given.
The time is 11.46
